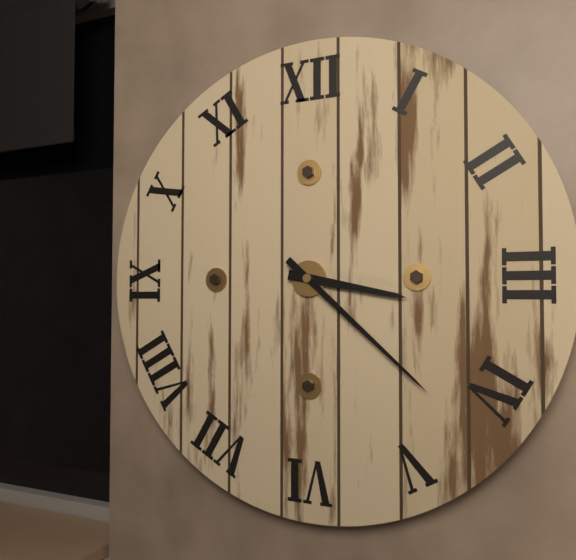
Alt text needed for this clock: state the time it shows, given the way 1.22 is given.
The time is 3.22
